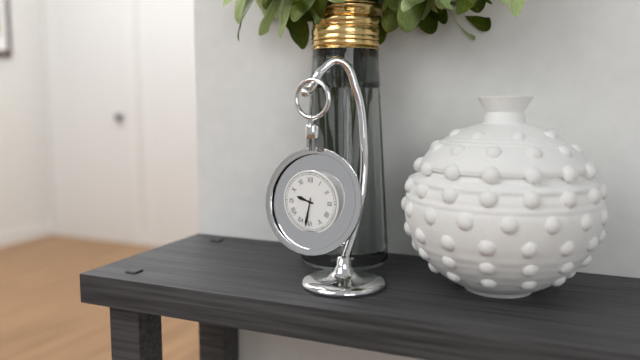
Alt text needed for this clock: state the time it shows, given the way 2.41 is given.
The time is 9.32
